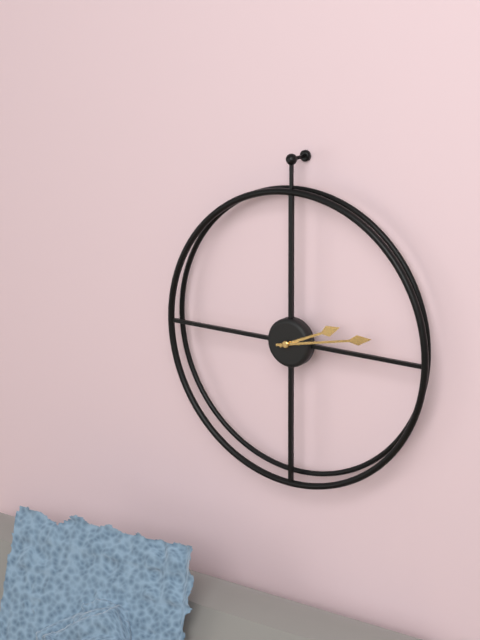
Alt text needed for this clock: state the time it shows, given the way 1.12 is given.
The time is 2.13
